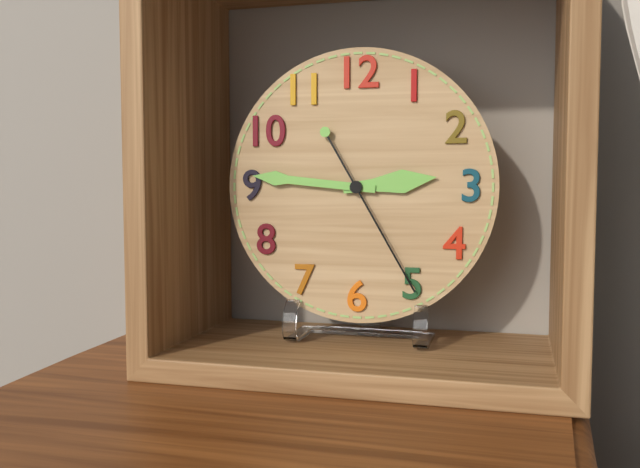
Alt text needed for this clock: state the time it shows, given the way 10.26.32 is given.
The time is 2.46.25
